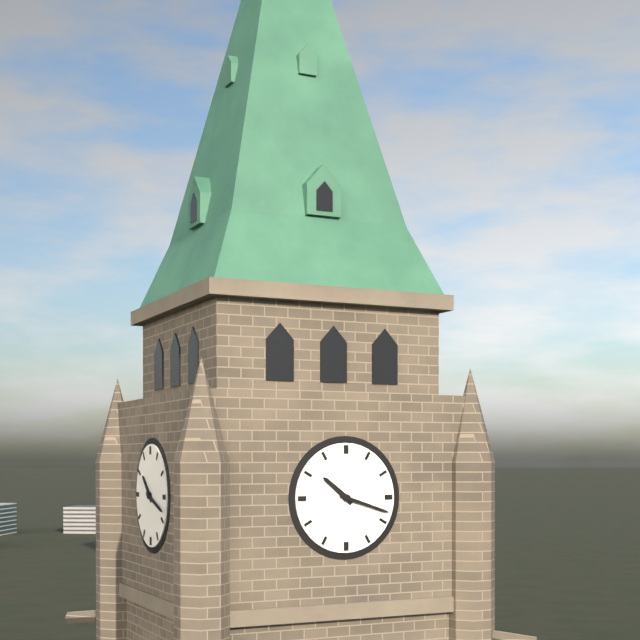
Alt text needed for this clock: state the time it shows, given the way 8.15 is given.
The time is 10.18
